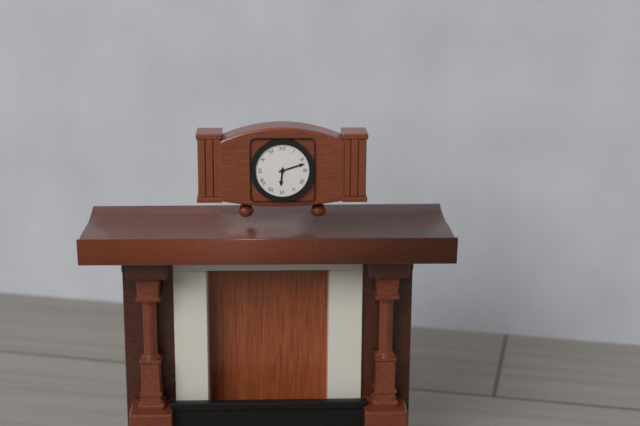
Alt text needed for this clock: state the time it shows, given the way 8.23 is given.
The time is 6.12
